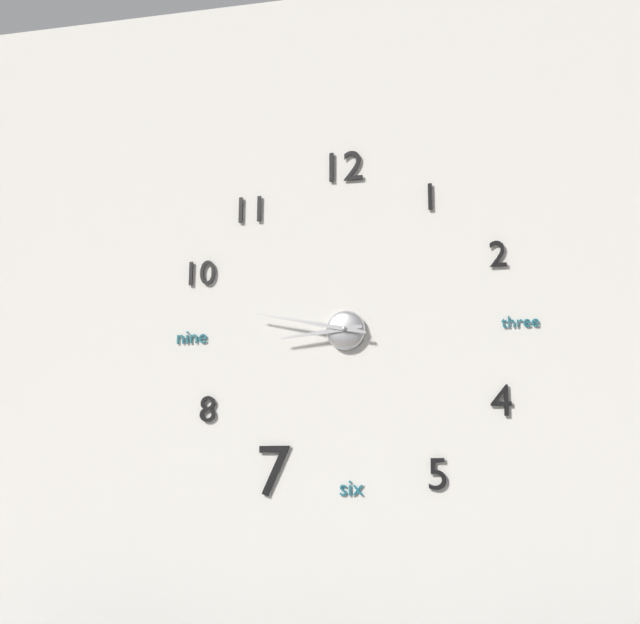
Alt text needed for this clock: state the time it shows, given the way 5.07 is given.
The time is 8.47
